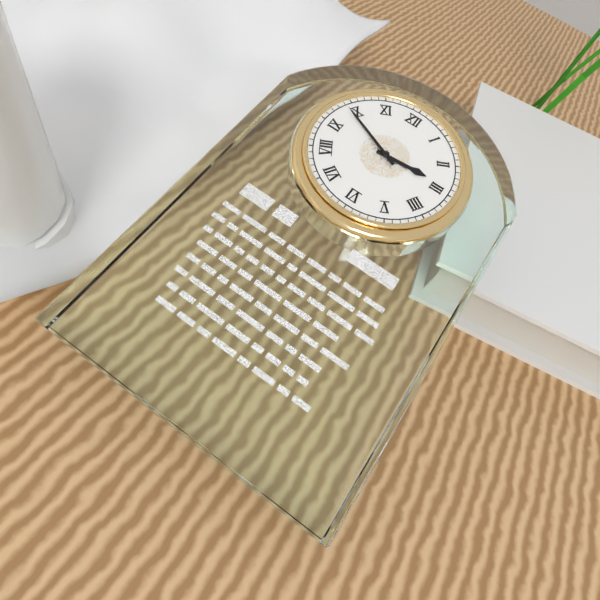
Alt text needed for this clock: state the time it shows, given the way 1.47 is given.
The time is 2.49
